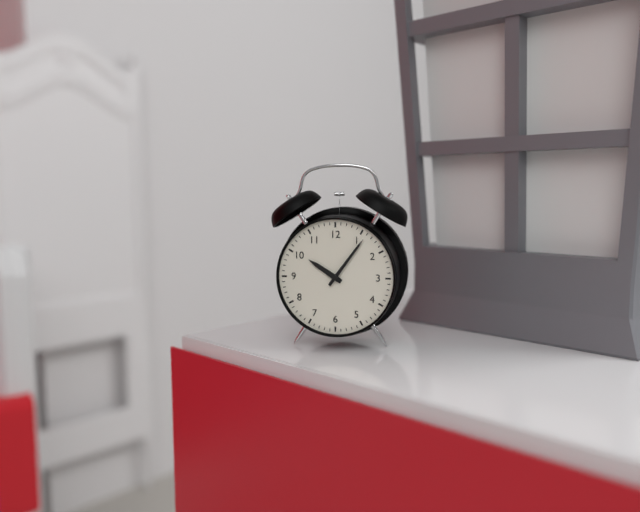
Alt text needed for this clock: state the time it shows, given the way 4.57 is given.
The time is 10.06
